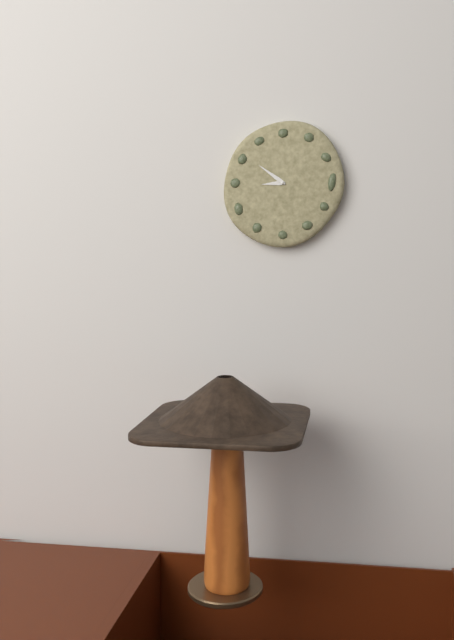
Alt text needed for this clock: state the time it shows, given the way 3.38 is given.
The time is 8.51
